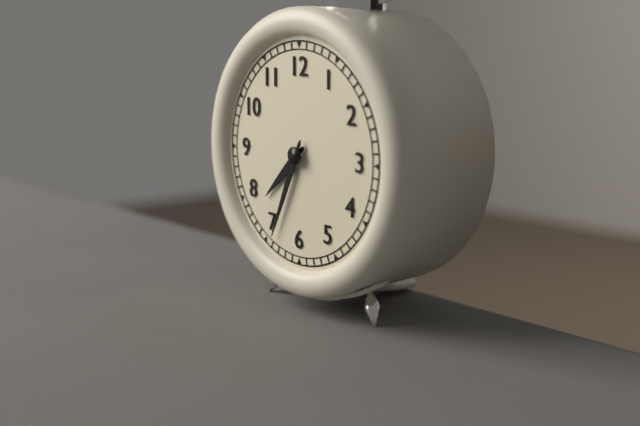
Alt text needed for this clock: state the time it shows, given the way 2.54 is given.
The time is 7.34
